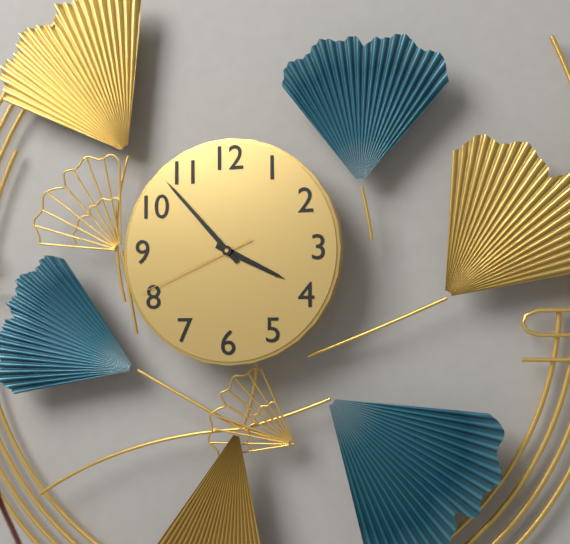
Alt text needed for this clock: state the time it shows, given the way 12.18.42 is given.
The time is 3.53.41
